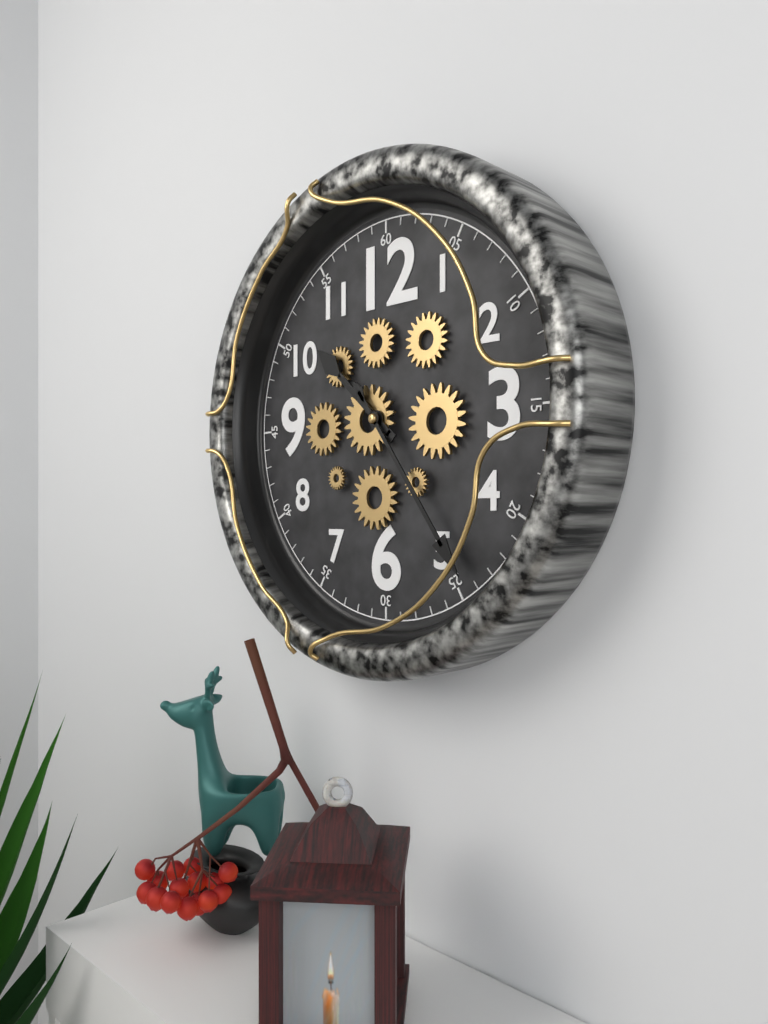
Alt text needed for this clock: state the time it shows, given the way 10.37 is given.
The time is 10.24
